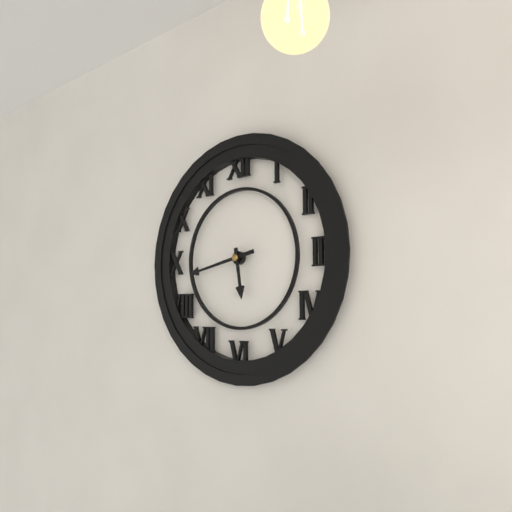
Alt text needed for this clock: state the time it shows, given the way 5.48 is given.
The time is 5.43
